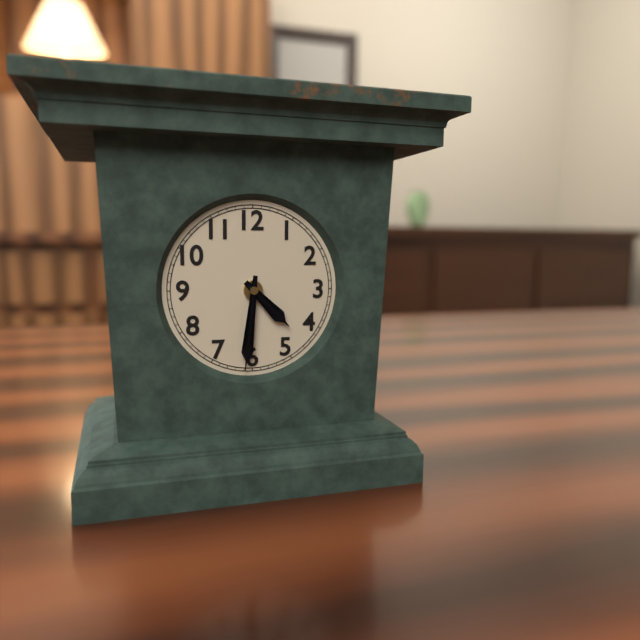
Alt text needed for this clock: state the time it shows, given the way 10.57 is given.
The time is 4.31
